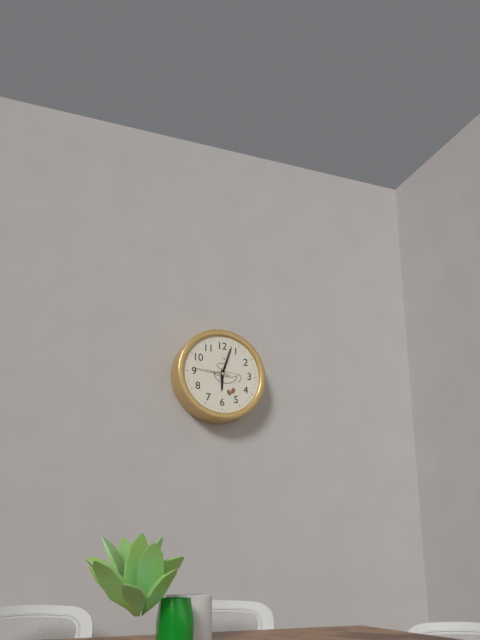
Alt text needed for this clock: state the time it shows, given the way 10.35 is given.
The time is 6.03
